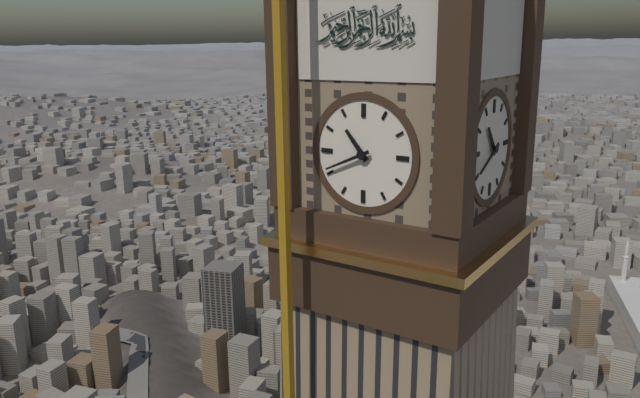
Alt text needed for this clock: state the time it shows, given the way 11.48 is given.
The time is 10.41
